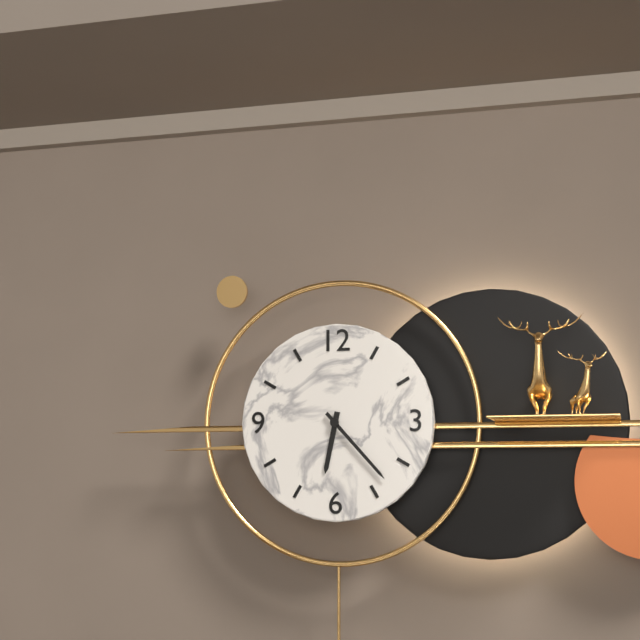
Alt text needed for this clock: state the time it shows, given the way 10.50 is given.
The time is 6.23
